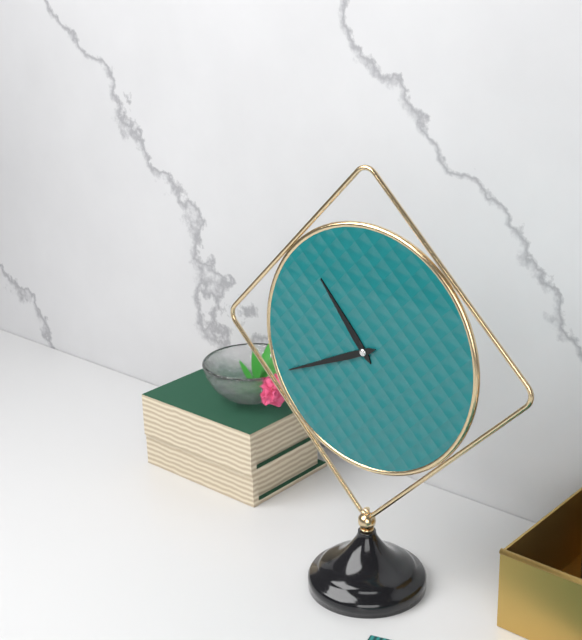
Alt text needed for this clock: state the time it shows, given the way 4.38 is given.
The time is 10.41
